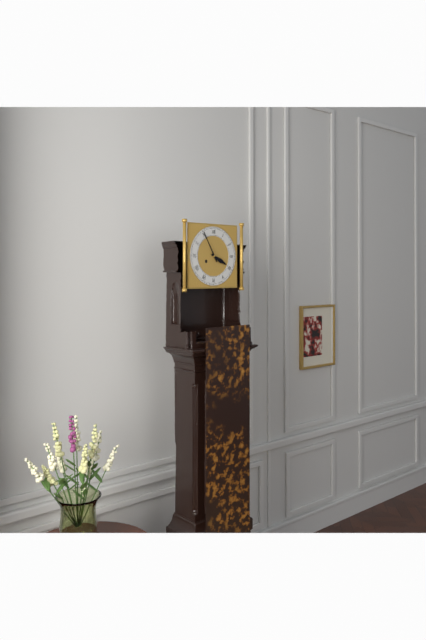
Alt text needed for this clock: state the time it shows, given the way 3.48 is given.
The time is 3.55
